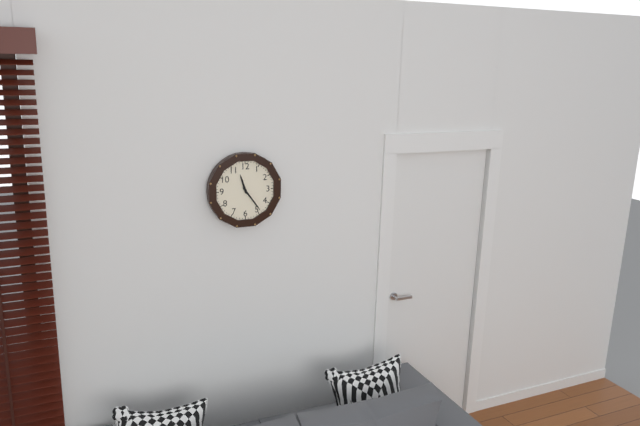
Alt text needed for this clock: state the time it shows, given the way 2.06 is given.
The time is 11.24
